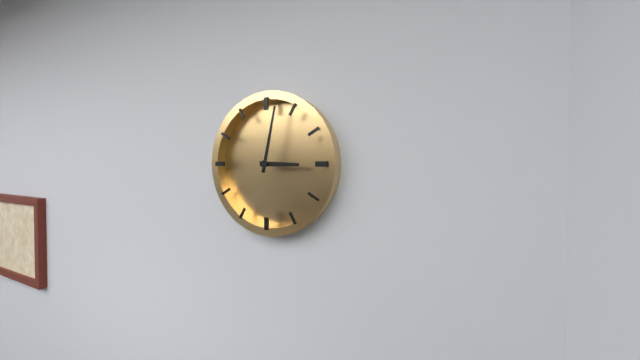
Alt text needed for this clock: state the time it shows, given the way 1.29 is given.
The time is 3.02
